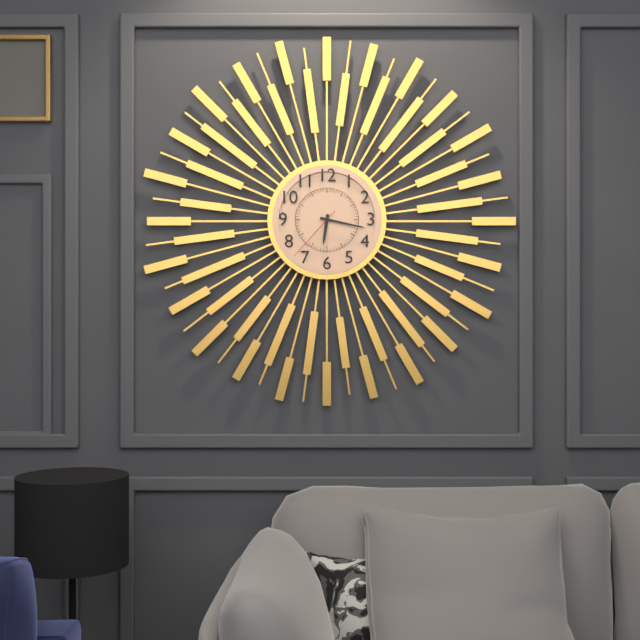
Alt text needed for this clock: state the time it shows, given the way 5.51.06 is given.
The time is 6.17.37
